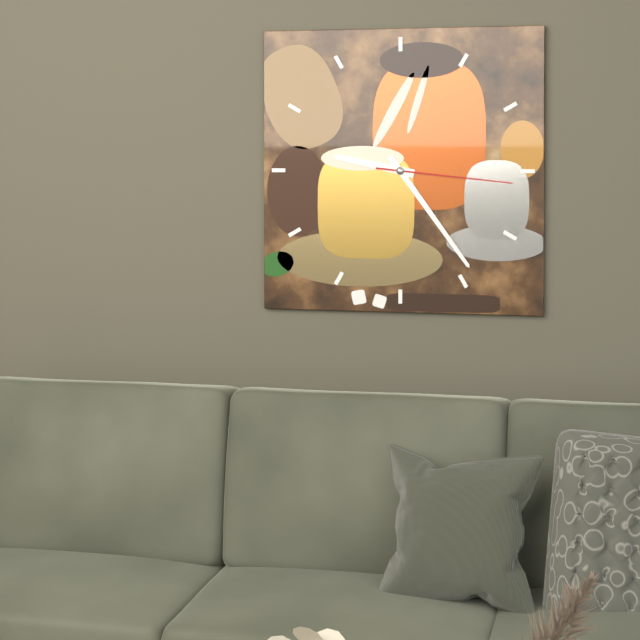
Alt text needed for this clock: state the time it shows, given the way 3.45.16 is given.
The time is 9.24.16
